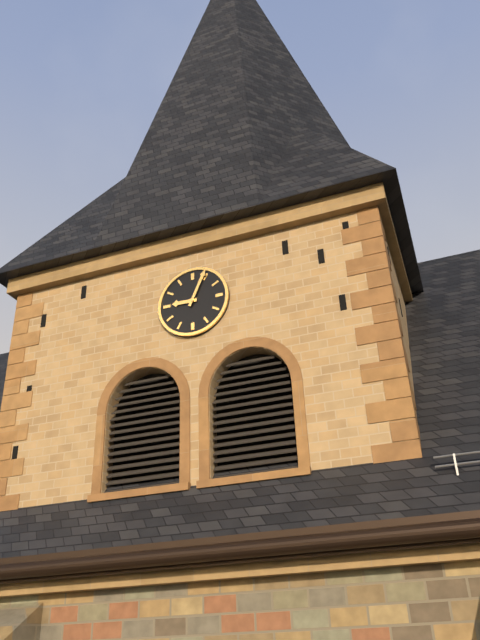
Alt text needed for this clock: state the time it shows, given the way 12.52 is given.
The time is 9.04
